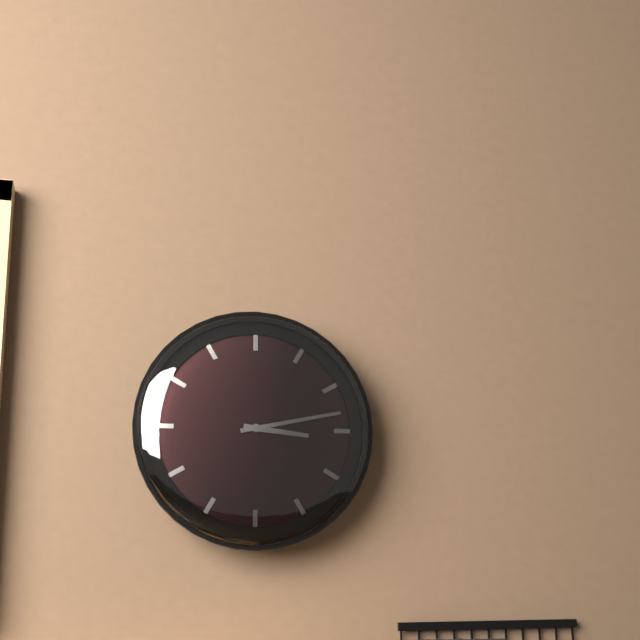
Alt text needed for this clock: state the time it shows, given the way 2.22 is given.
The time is 3.13
